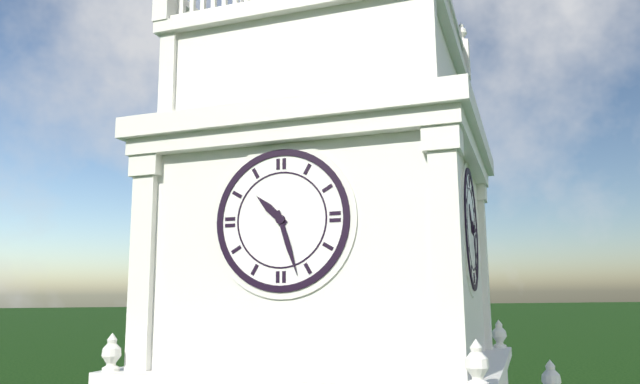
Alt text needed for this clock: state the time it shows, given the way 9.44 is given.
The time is 10.27
